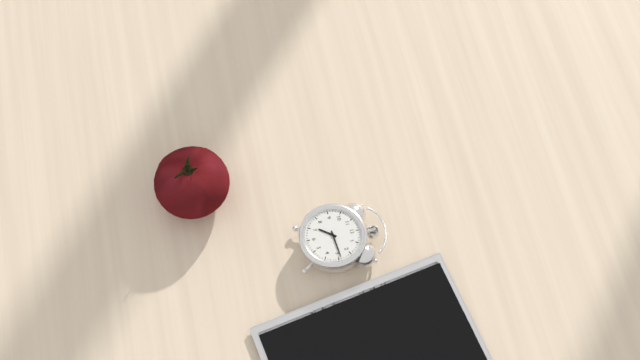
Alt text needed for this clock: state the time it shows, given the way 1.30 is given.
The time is 7.14
